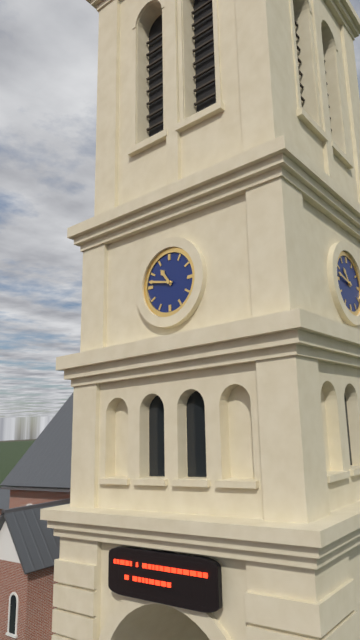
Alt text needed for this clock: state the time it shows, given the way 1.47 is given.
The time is 10.47
